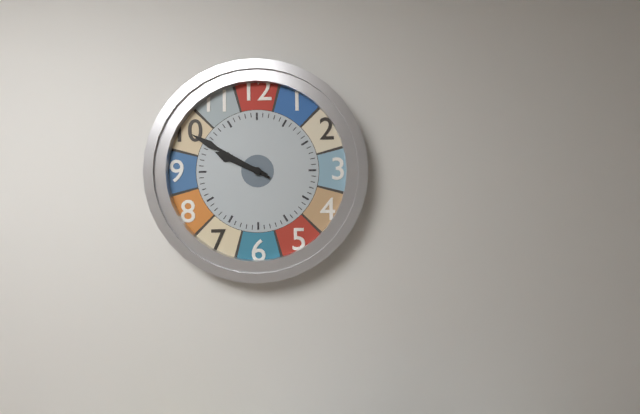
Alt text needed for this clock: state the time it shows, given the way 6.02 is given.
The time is 9.50
